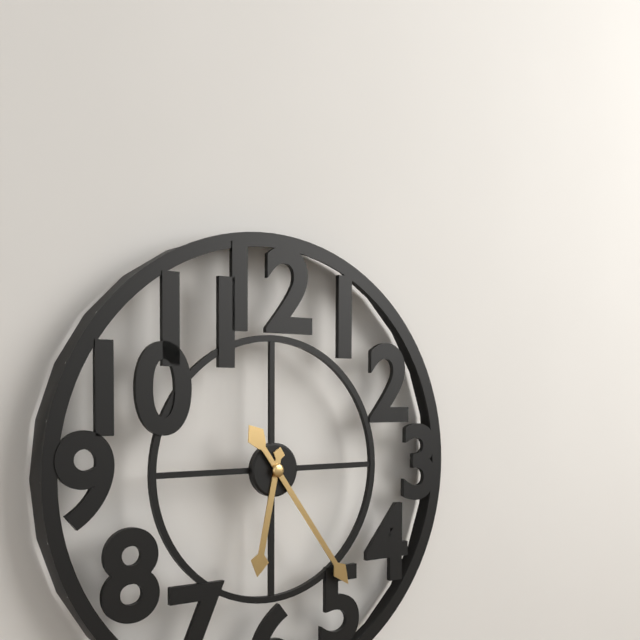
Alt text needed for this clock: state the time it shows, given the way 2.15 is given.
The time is 6.24
